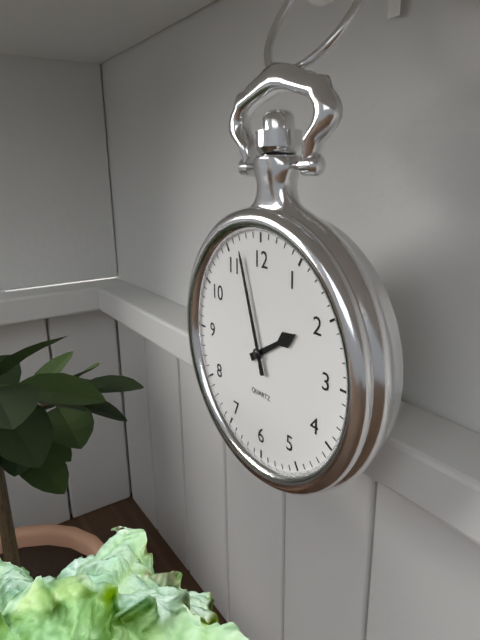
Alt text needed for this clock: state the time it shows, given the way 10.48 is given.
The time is 1.57
